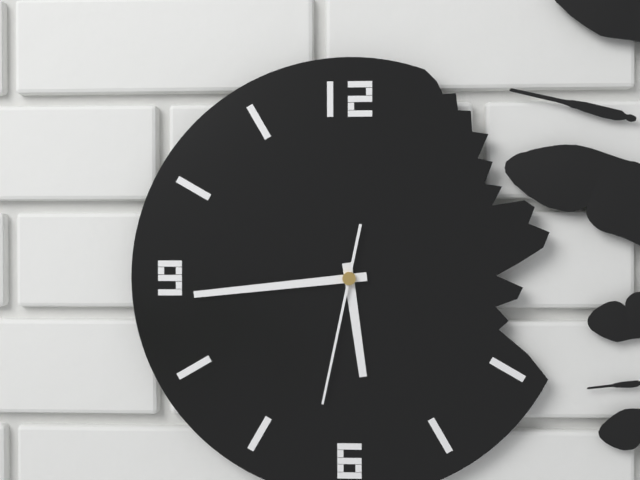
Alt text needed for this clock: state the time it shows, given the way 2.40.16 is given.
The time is 5.44.32
